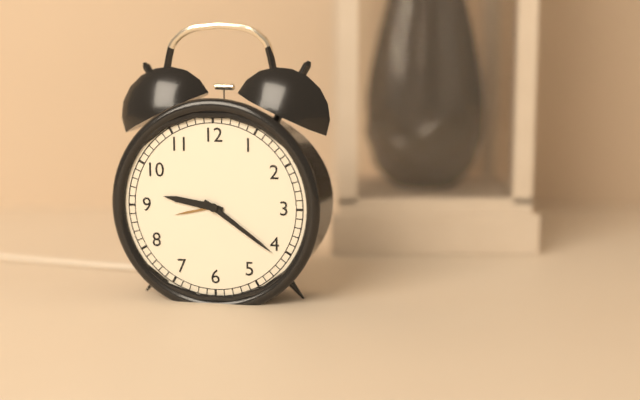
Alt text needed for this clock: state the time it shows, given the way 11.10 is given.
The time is 9.21
